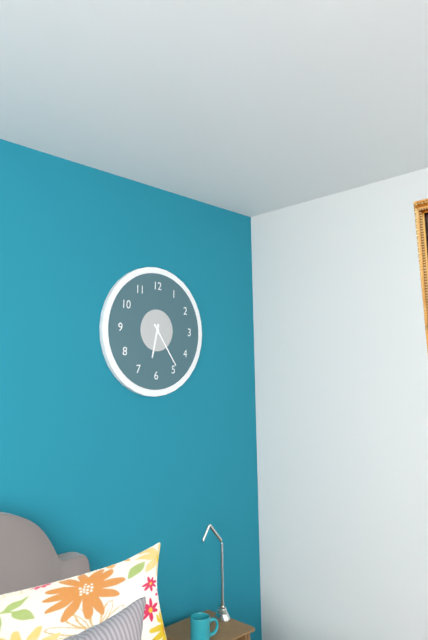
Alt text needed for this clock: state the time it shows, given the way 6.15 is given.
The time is 6.24
